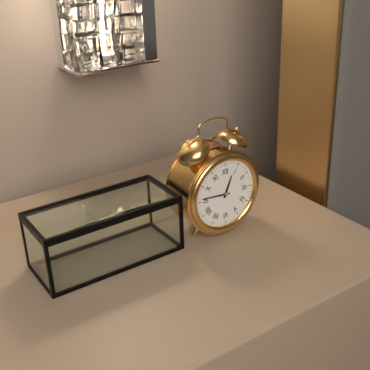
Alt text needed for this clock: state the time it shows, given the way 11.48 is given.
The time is 12.46
